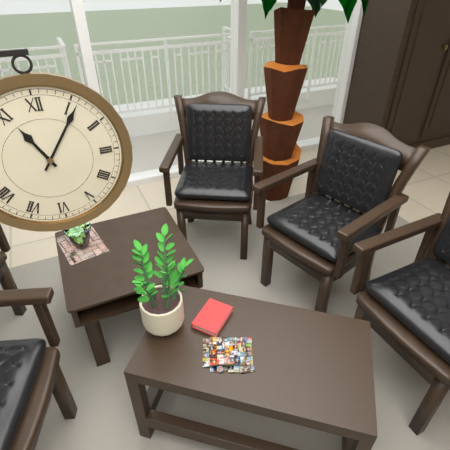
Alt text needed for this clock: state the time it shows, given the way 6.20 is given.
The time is 11.06
